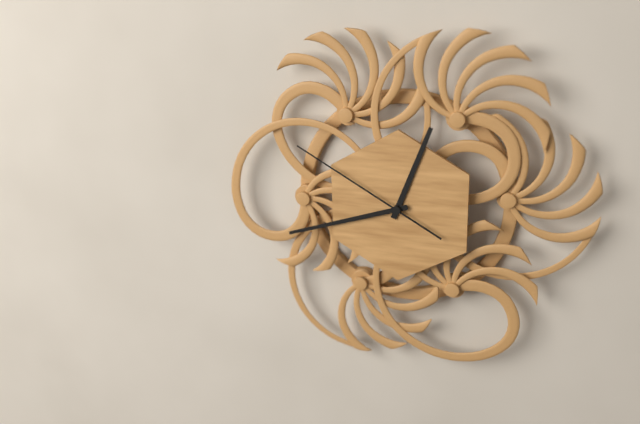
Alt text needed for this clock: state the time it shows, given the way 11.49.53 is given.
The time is 12.42.50
